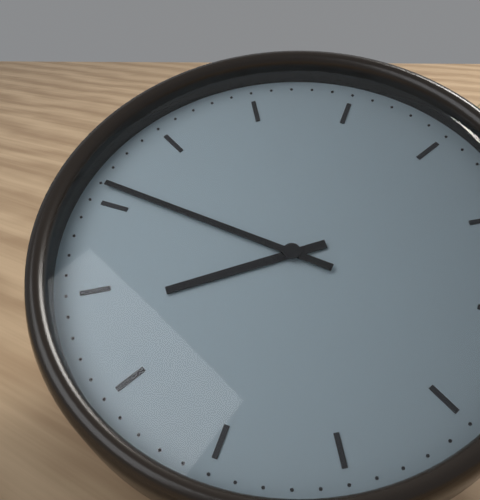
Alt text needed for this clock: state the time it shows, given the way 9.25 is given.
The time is 7.46
